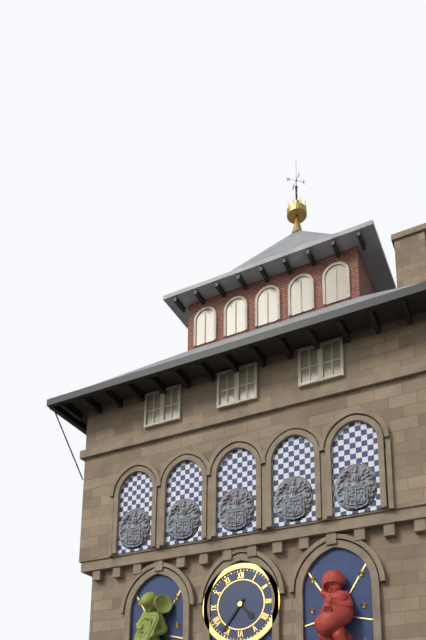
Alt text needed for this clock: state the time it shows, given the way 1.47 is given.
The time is 4.36
